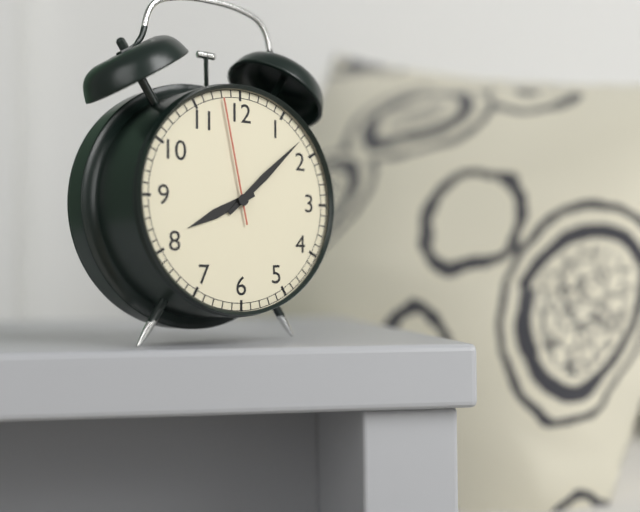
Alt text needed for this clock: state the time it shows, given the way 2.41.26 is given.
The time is 8.08.58
